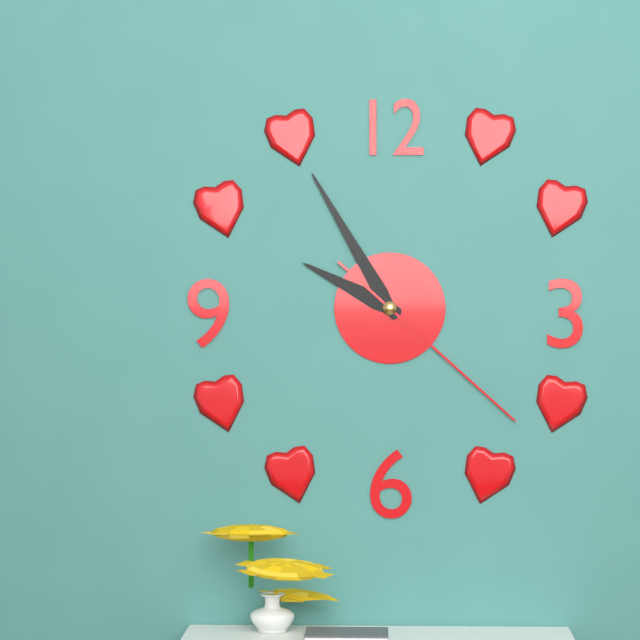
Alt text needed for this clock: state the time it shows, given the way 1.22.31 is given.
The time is 9.55.22
